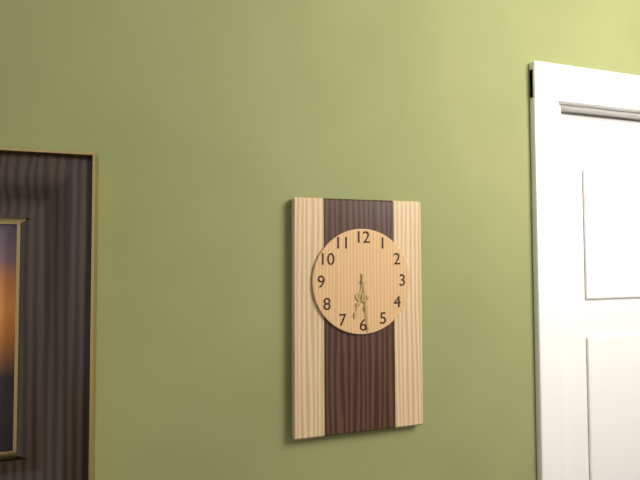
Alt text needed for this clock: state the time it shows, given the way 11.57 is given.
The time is 6.29
